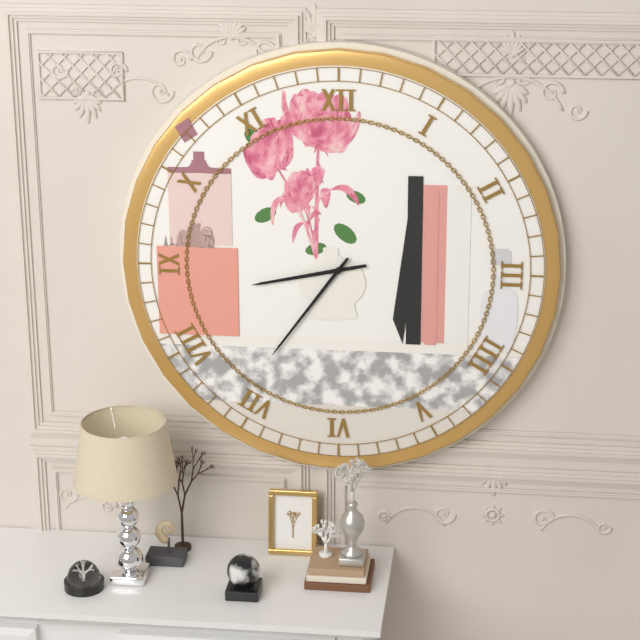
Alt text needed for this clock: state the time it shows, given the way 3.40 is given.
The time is 8.36
